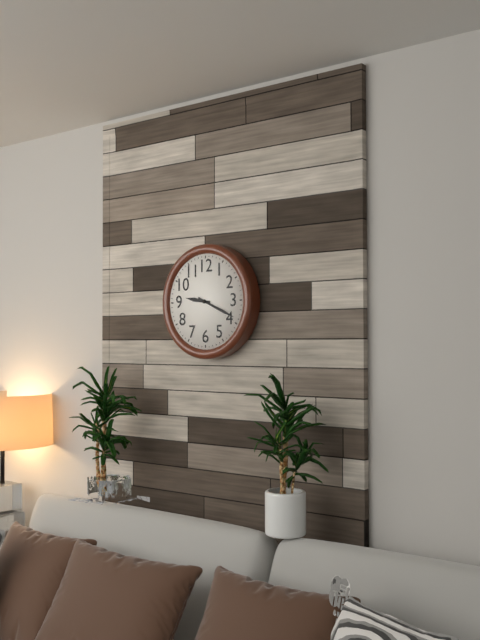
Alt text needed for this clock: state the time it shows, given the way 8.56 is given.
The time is 9.19
